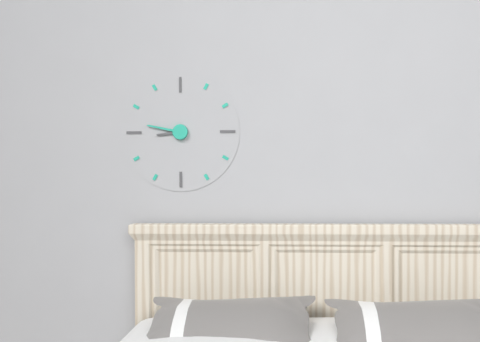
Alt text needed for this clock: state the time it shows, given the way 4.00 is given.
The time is 8.47
